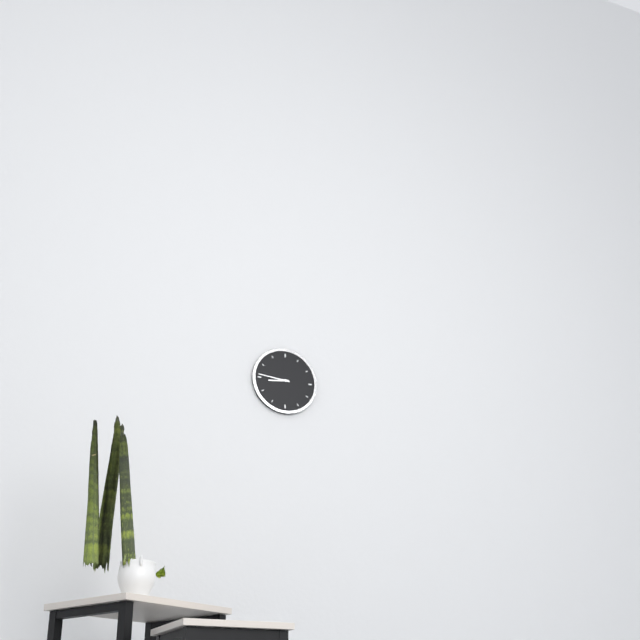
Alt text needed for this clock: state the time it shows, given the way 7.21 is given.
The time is 8.46
